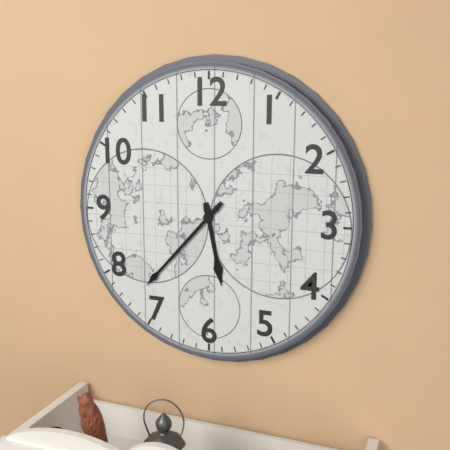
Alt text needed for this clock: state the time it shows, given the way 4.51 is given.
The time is 5.37
